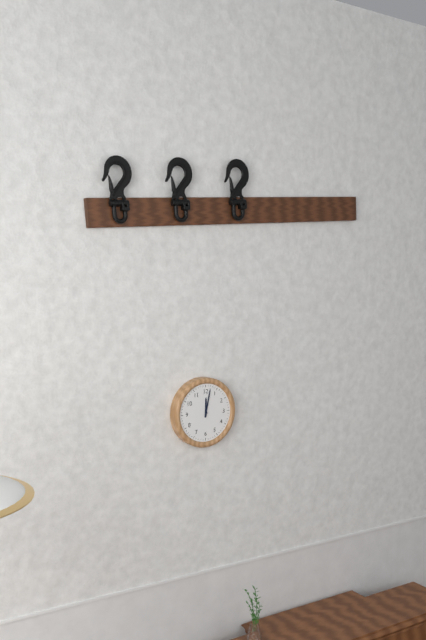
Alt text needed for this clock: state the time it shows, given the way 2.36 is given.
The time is 12.02
